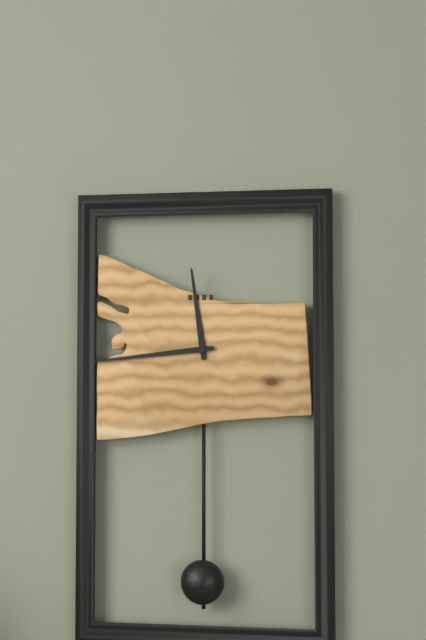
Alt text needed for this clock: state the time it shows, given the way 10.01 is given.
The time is 11.44
